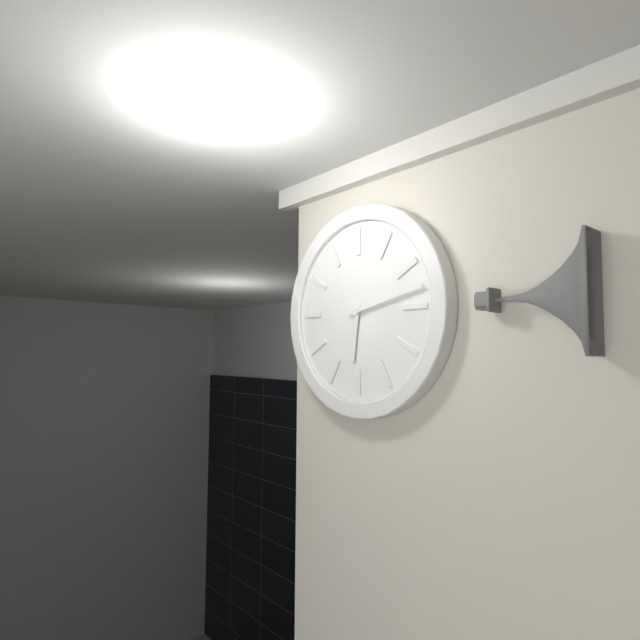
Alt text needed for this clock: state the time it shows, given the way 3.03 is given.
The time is 6.13
